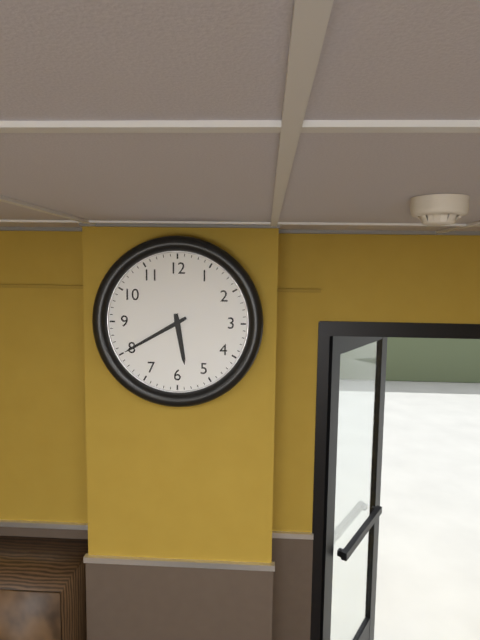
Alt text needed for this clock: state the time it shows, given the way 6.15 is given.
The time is 5.40
